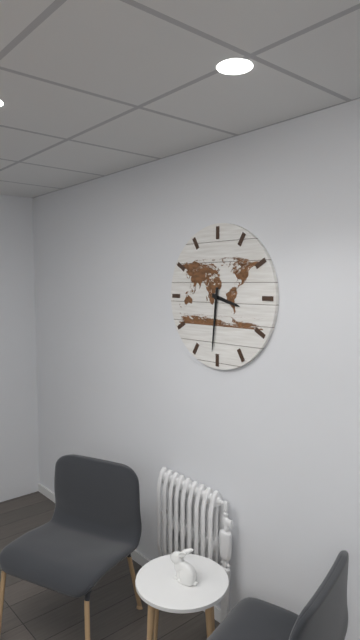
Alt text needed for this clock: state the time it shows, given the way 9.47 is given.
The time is 3.31
